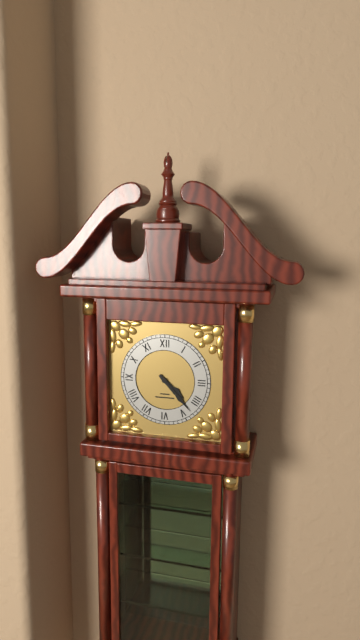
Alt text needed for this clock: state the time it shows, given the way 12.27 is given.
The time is 4.23
